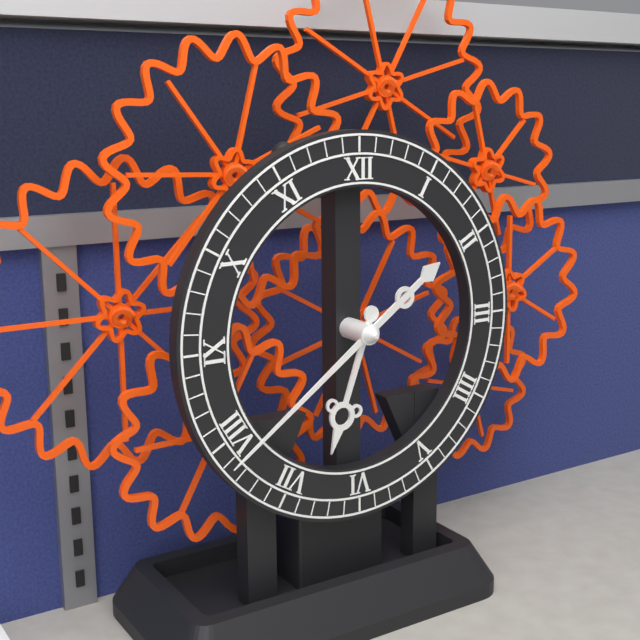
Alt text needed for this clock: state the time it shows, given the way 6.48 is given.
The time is 6.39
